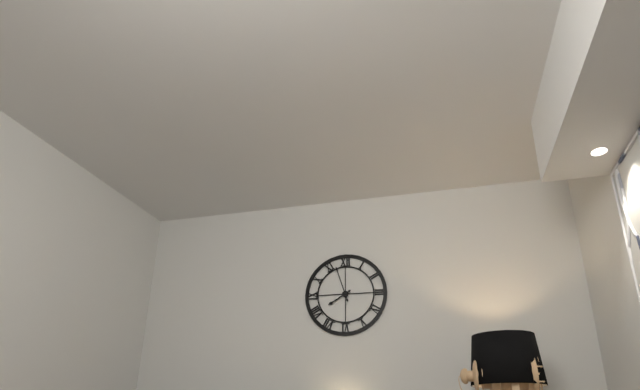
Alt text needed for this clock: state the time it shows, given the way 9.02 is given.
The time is 7.57
